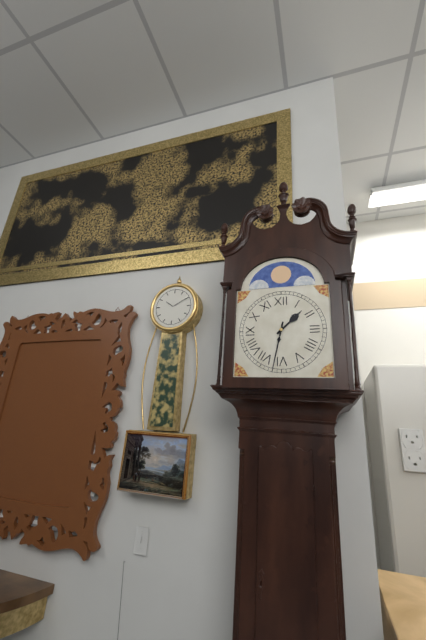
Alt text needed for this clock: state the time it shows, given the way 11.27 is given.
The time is 1.32
